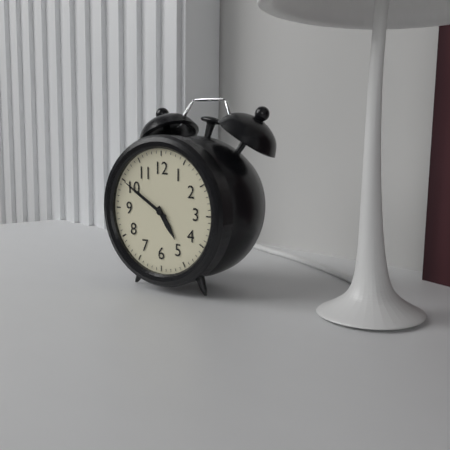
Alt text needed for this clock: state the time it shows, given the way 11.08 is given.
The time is 4.50
